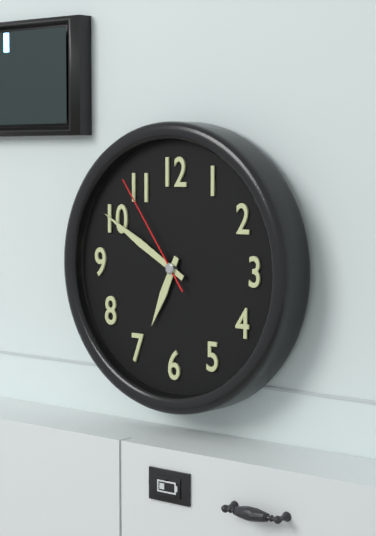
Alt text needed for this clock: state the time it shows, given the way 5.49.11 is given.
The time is 6.50.54
